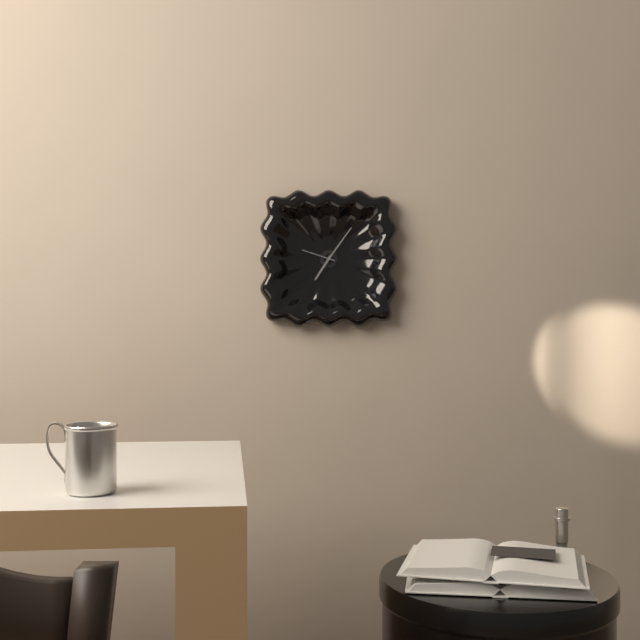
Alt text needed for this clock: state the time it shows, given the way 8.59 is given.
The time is 7.06
